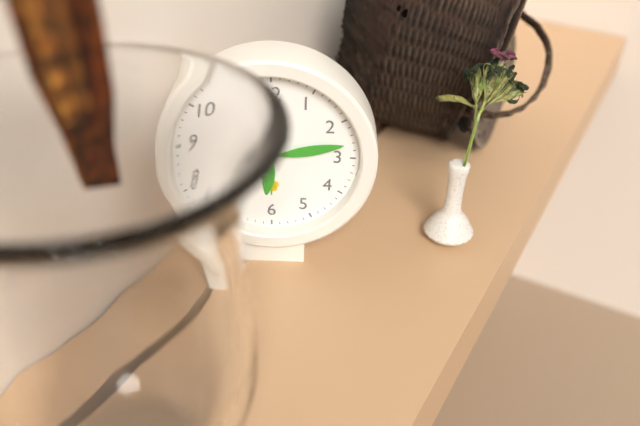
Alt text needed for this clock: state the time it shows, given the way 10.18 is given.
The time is 6.13
